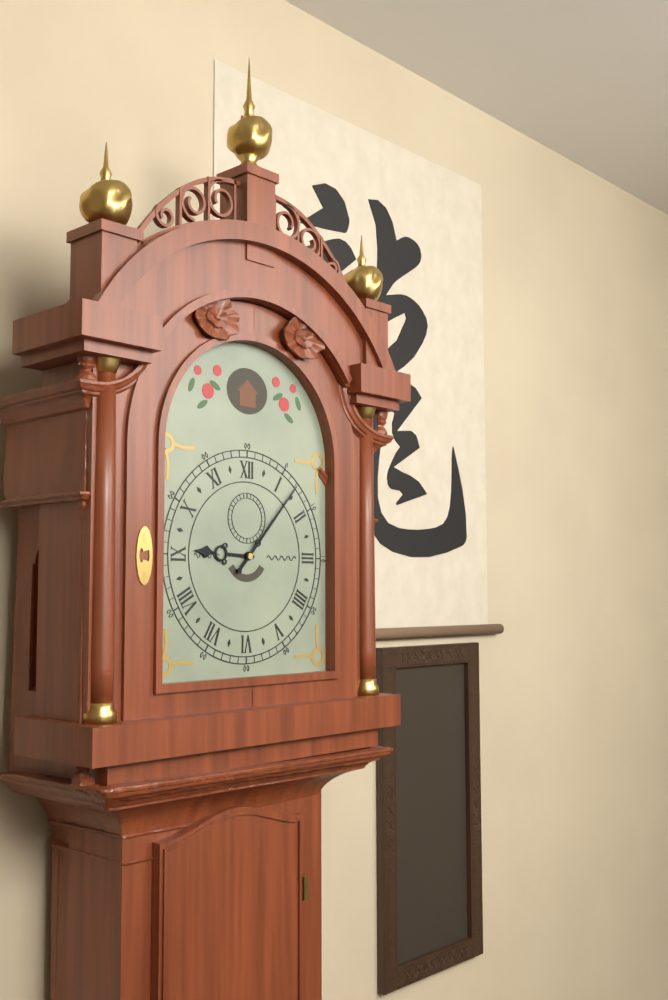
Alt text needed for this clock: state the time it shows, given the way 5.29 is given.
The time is 9.07
